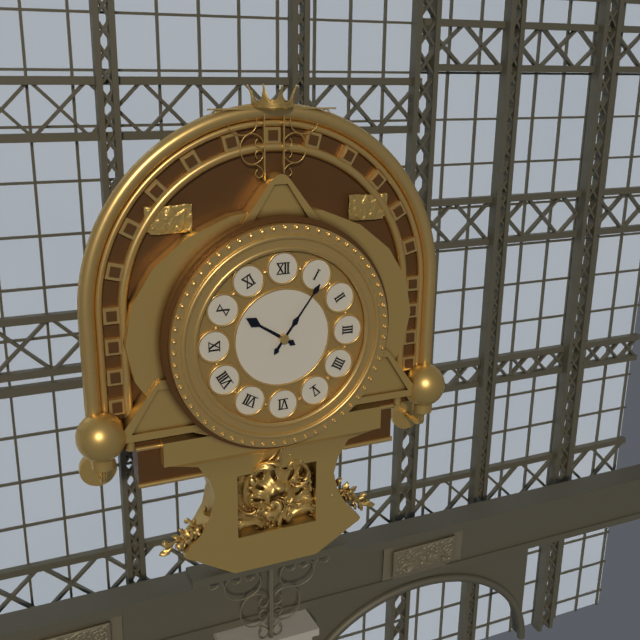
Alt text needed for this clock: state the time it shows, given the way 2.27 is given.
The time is 10.06
